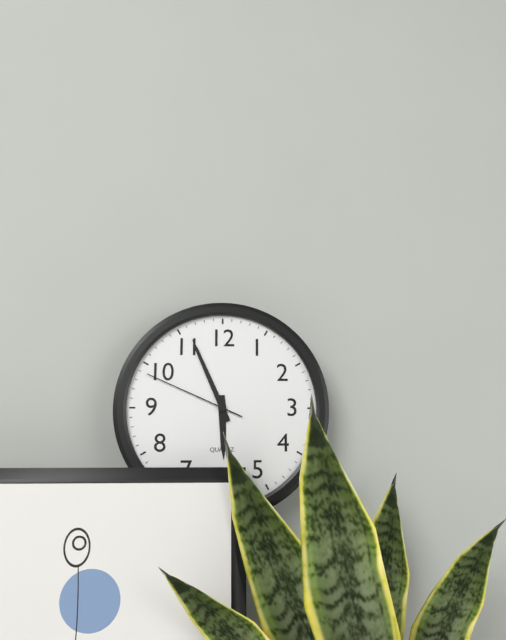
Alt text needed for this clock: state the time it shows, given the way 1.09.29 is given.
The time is 5.56.49
